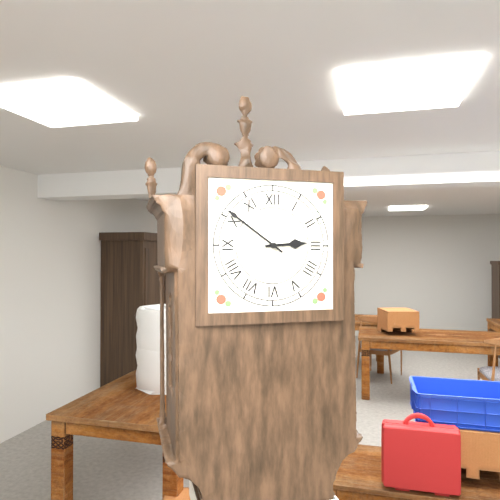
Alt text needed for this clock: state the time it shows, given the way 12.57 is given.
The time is 2.51
